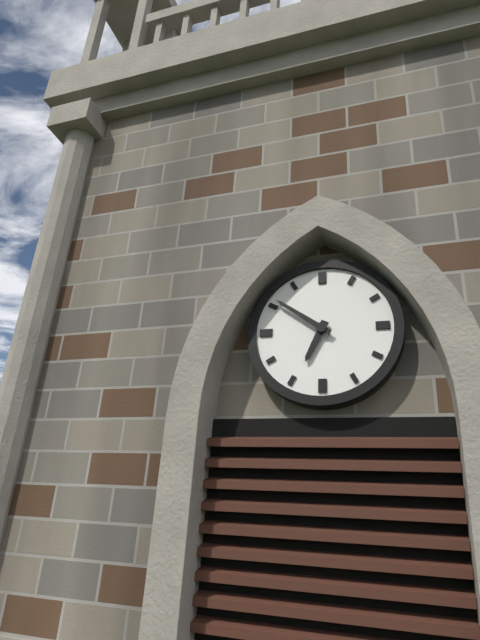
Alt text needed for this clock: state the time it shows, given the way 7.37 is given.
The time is 6.51
